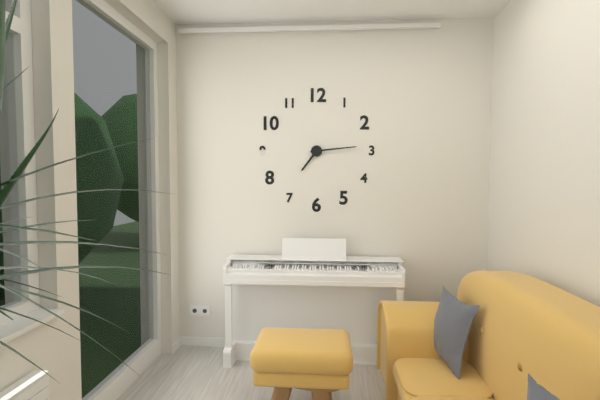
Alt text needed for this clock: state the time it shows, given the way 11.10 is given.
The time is 7.14
